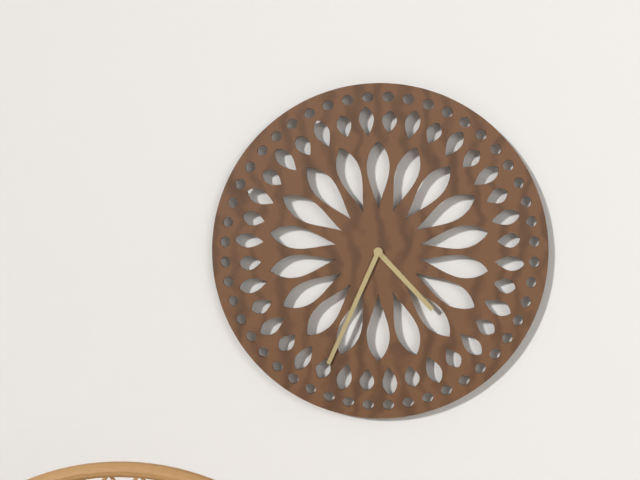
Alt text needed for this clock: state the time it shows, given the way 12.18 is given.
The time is 4.34
